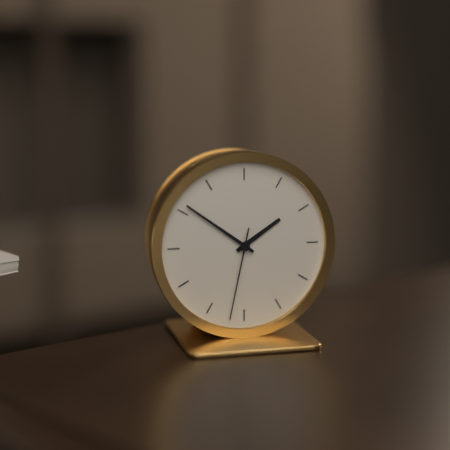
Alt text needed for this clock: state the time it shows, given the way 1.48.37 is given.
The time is 1.51.32
